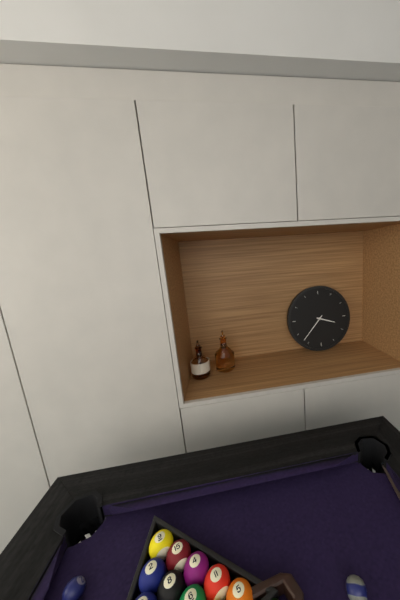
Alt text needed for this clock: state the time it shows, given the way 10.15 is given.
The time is 3.37
